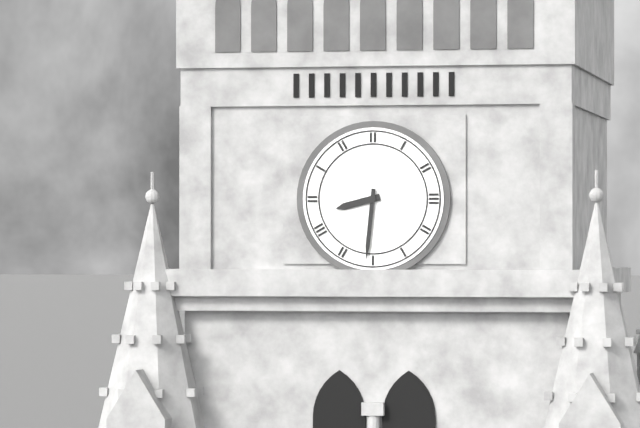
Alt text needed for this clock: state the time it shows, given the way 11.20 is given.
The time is 8.31
